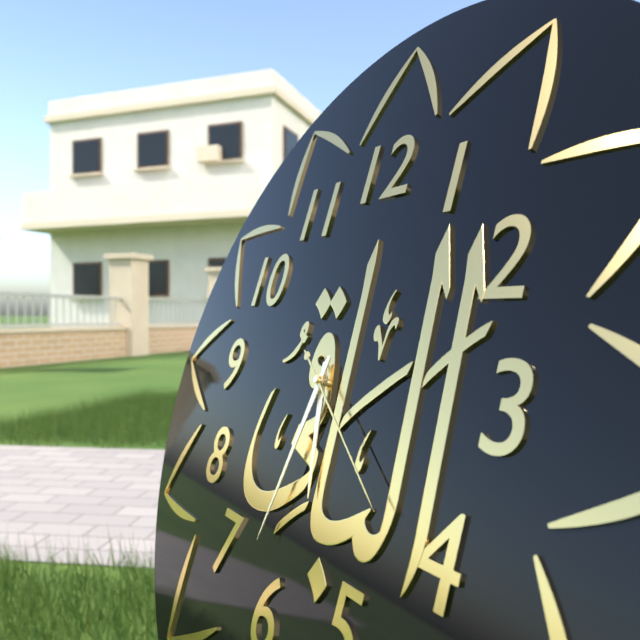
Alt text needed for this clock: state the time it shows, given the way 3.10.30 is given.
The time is 5.32.21
